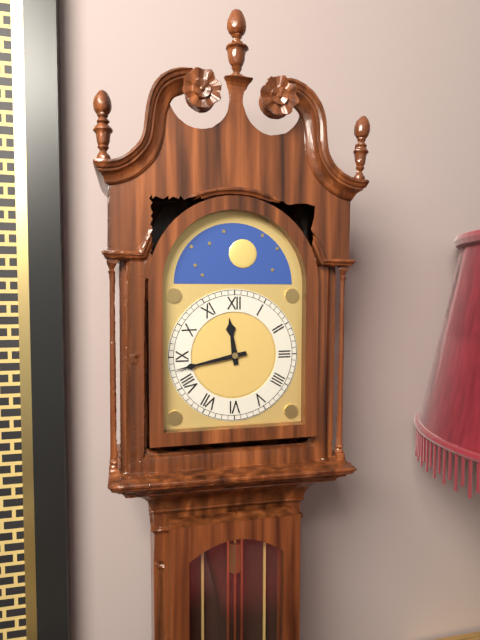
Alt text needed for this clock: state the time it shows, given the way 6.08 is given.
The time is 11.43
